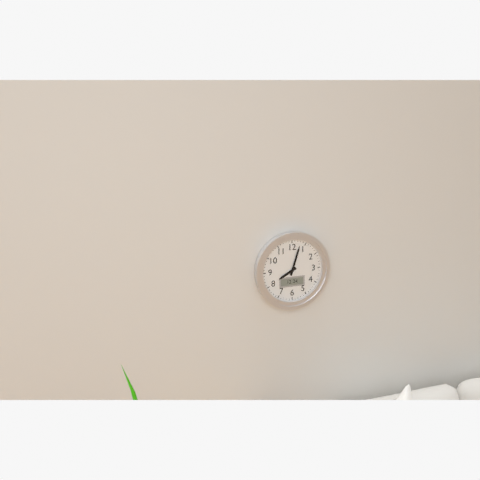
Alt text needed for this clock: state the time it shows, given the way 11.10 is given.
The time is 8.03
